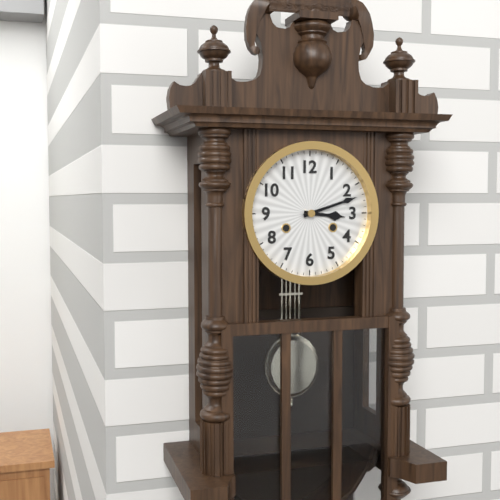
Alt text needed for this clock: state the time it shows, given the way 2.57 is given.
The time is 3.12
